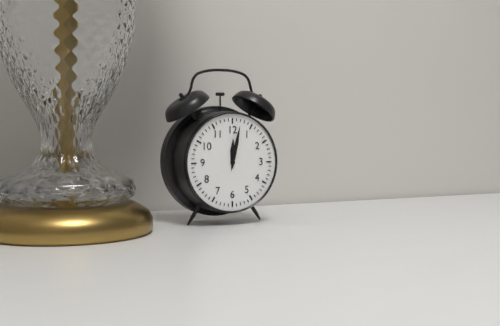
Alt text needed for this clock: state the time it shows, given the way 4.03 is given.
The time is 12.02
